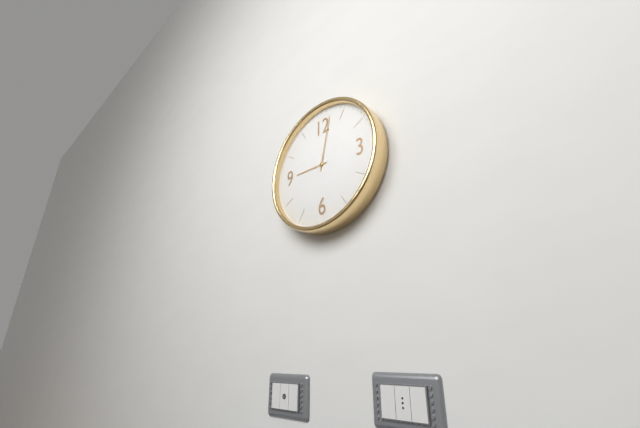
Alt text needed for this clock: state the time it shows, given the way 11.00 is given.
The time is 9.02
